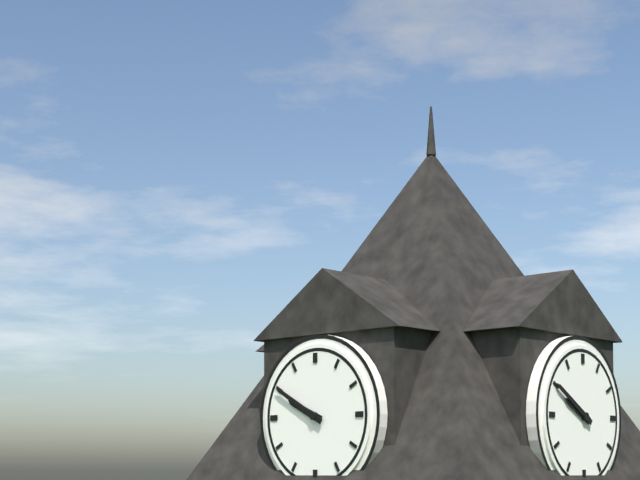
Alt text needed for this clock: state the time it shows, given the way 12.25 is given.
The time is 9.50
